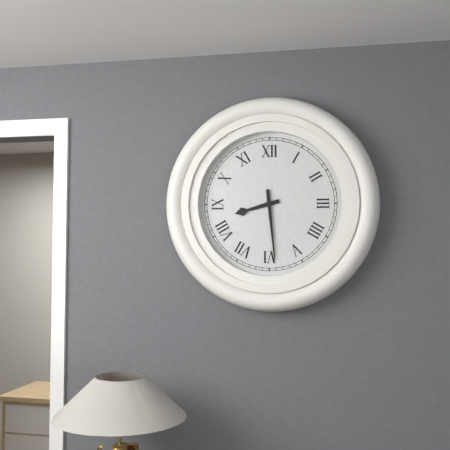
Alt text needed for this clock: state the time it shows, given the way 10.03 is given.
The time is 8.29
